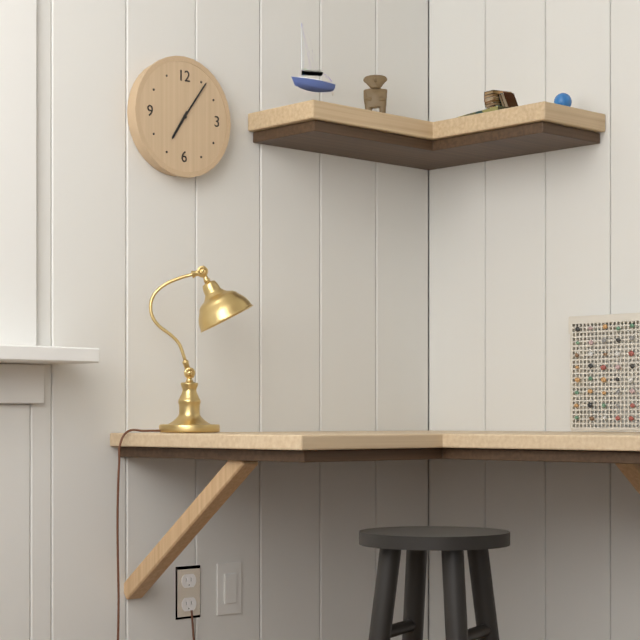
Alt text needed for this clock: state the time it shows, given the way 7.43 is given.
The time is 7.06
